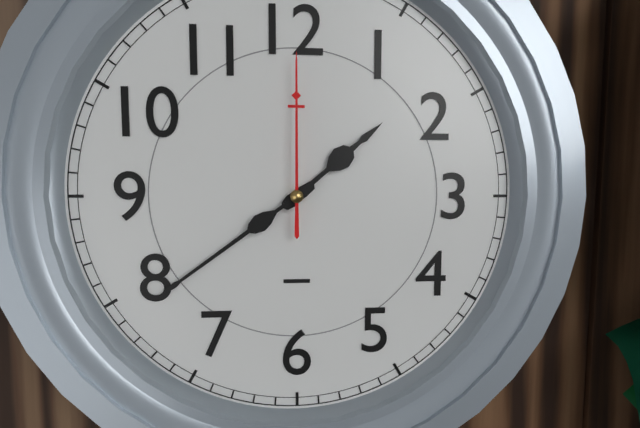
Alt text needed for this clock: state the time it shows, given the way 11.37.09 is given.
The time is 1.39.00
